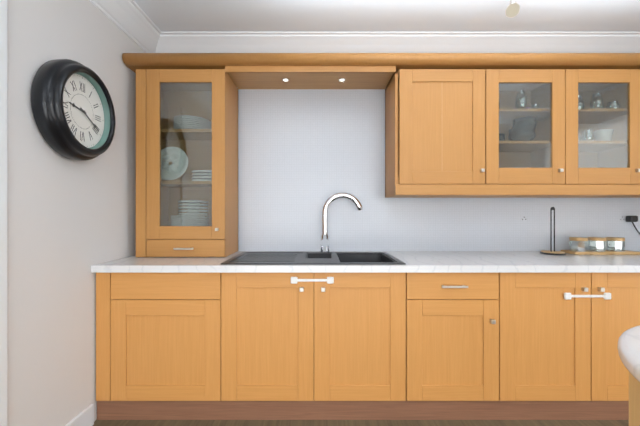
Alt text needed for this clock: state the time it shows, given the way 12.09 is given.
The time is 9.20
